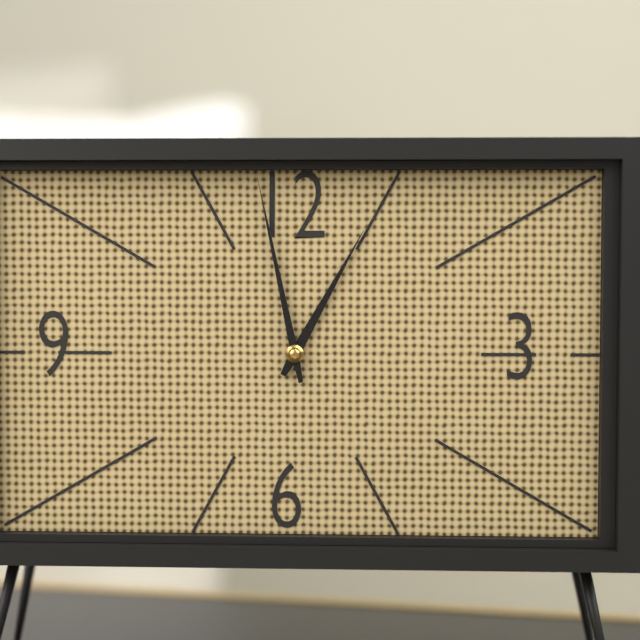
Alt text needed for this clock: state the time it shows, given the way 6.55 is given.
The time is 12.58
